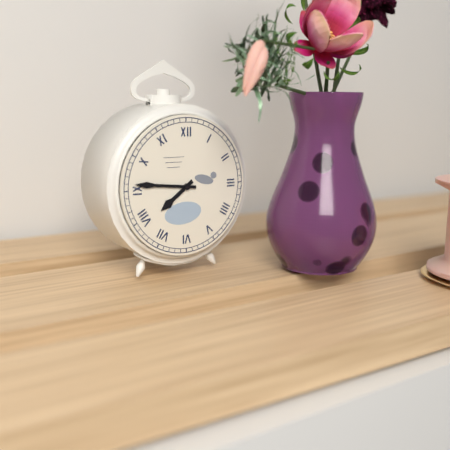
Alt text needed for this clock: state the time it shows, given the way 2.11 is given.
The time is 7.46
